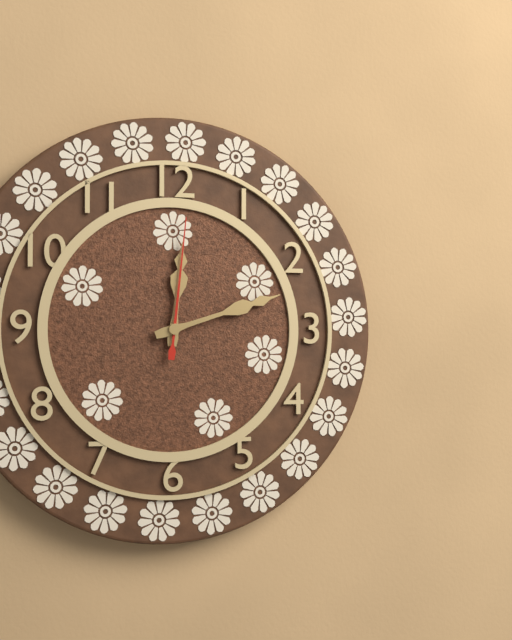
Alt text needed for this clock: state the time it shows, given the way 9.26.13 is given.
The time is 12.12.01
